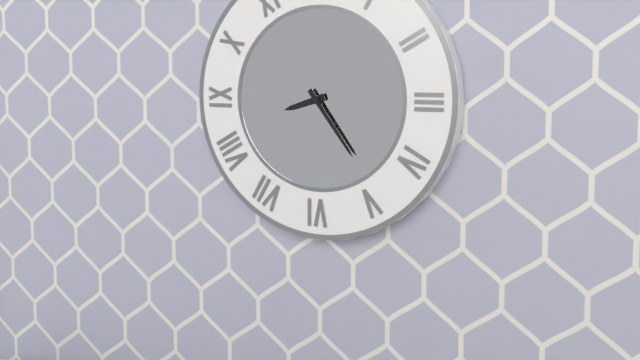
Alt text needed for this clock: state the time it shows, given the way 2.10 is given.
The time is 8.24
